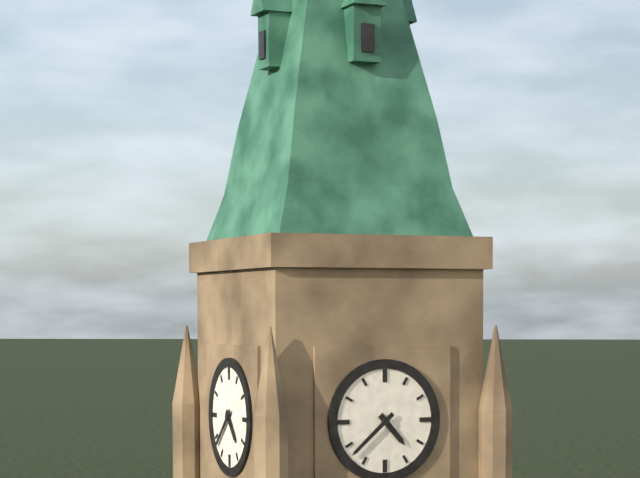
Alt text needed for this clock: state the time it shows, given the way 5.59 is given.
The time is 4.38
